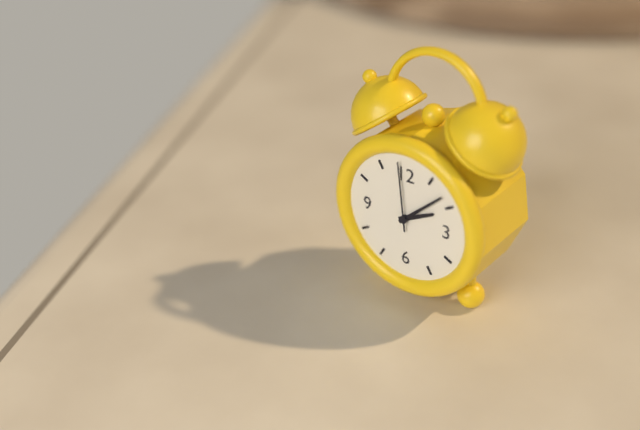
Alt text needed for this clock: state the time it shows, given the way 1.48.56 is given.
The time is 2.08.59
